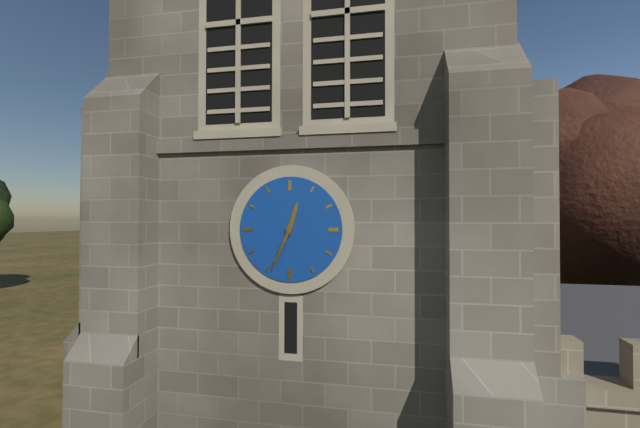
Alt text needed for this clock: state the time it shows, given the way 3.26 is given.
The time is 12.34
